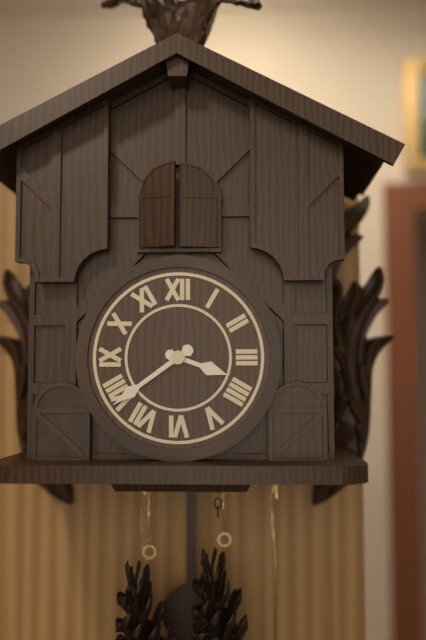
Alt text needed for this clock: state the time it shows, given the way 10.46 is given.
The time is 3.39
